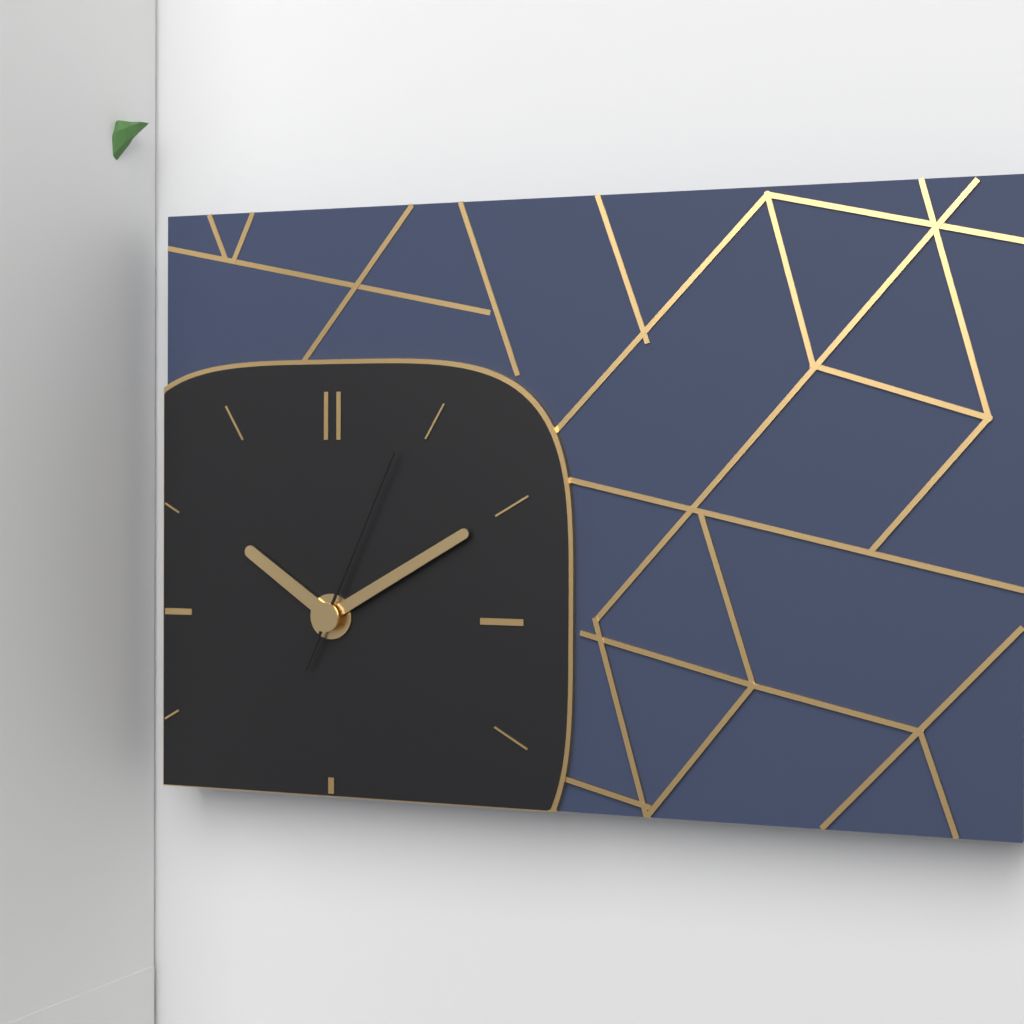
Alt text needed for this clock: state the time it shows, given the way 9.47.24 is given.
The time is 10.10.04
